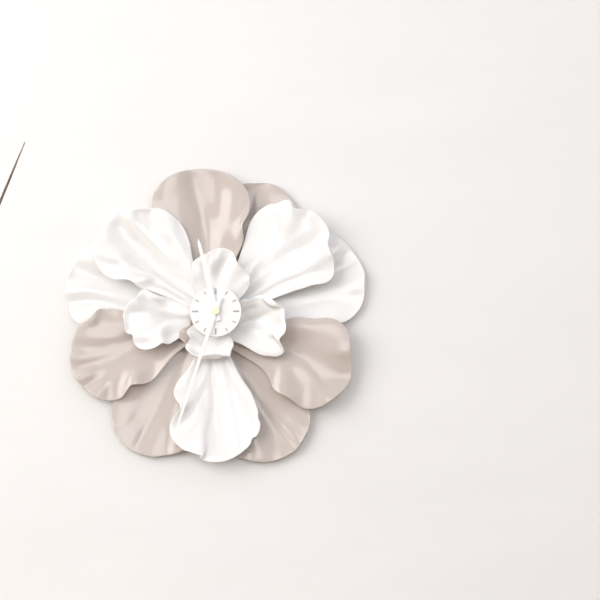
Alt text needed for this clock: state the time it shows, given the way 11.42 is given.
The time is 11.33
